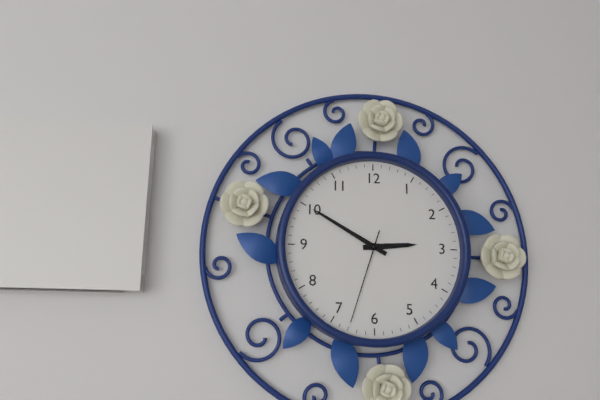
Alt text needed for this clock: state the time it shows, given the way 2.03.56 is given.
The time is 2.50.33
